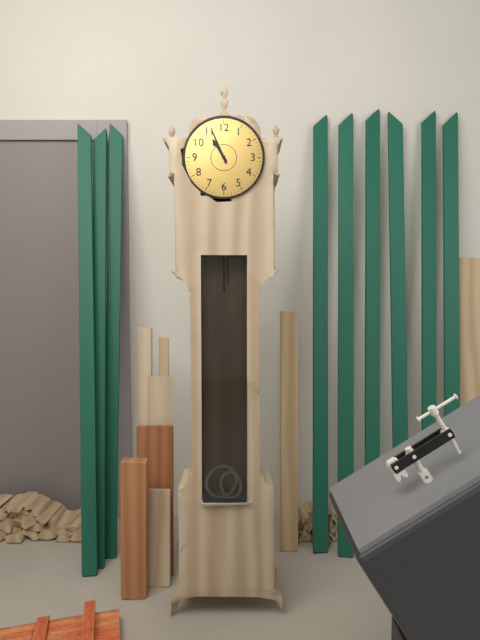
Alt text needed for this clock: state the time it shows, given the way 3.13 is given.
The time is 10.56
